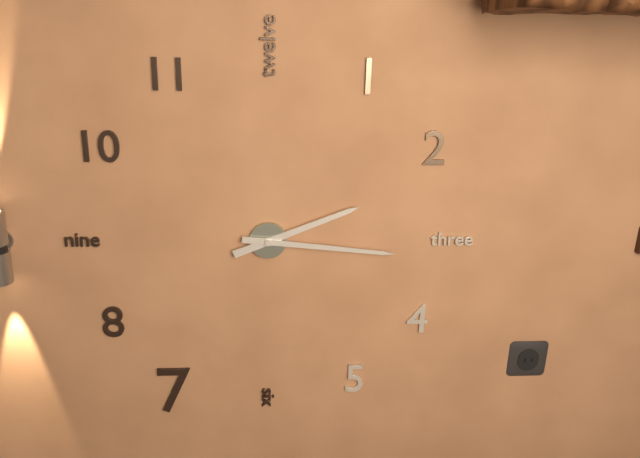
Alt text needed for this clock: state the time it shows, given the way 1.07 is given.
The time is 2.16
